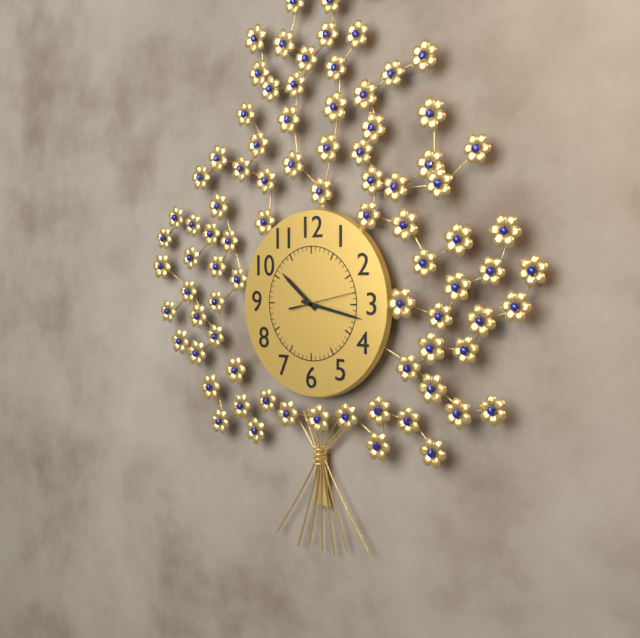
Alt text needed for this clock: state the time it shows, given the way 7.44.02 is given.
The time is 10.17.13
